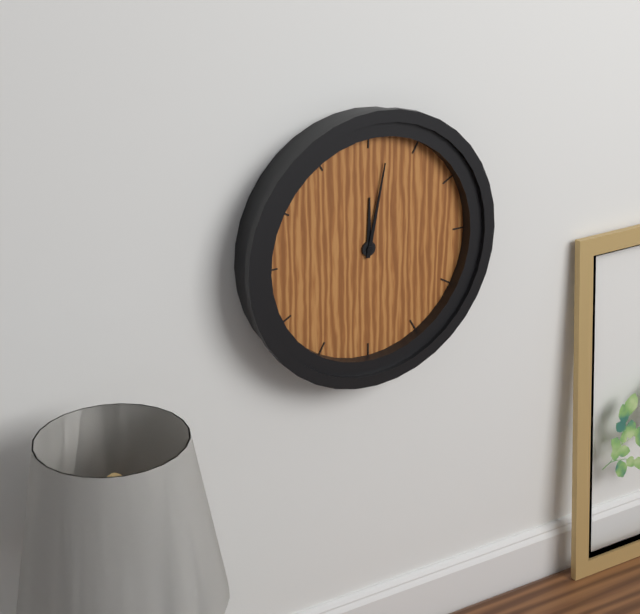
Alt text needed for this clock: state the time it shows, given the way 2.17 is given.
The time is 12.02
